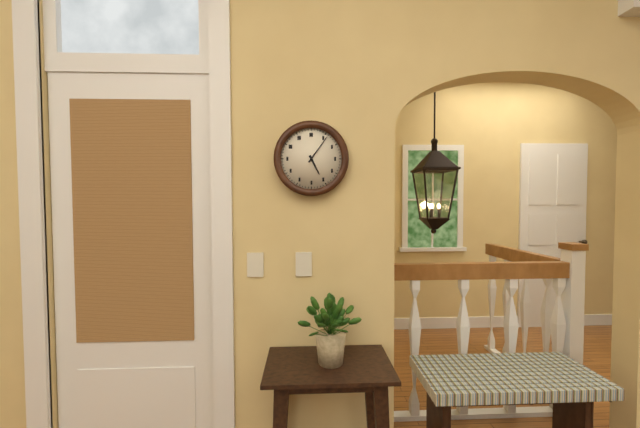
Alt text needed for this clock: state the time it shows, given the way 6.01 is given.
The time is 5.06
